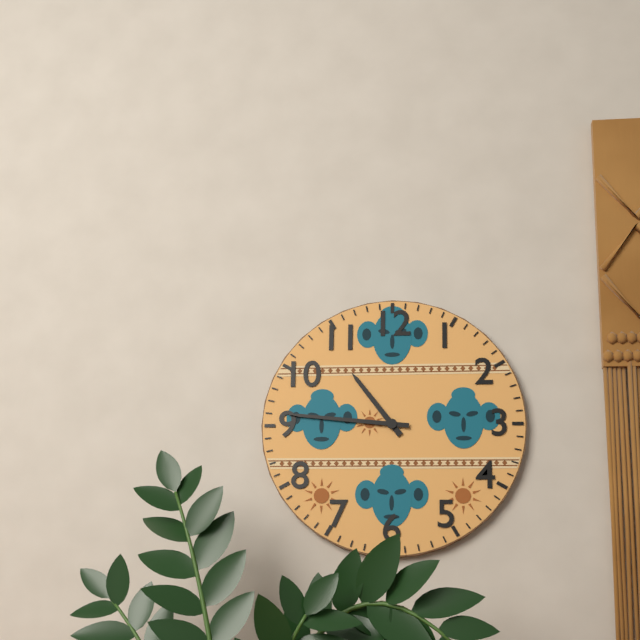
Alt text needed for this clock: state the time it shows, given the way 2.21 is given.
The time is 10.46
